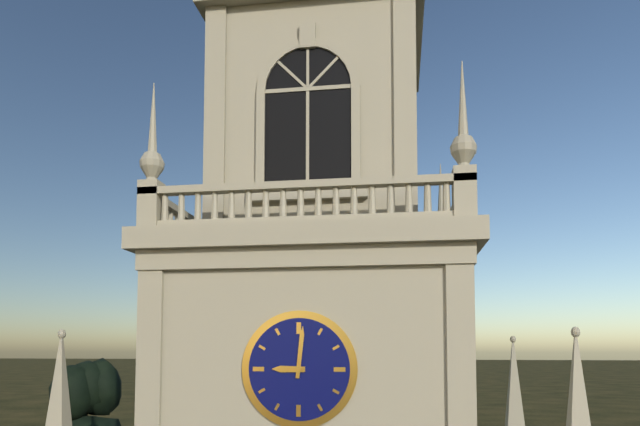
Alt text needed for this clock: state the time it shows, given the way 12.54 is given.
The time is 9.01
